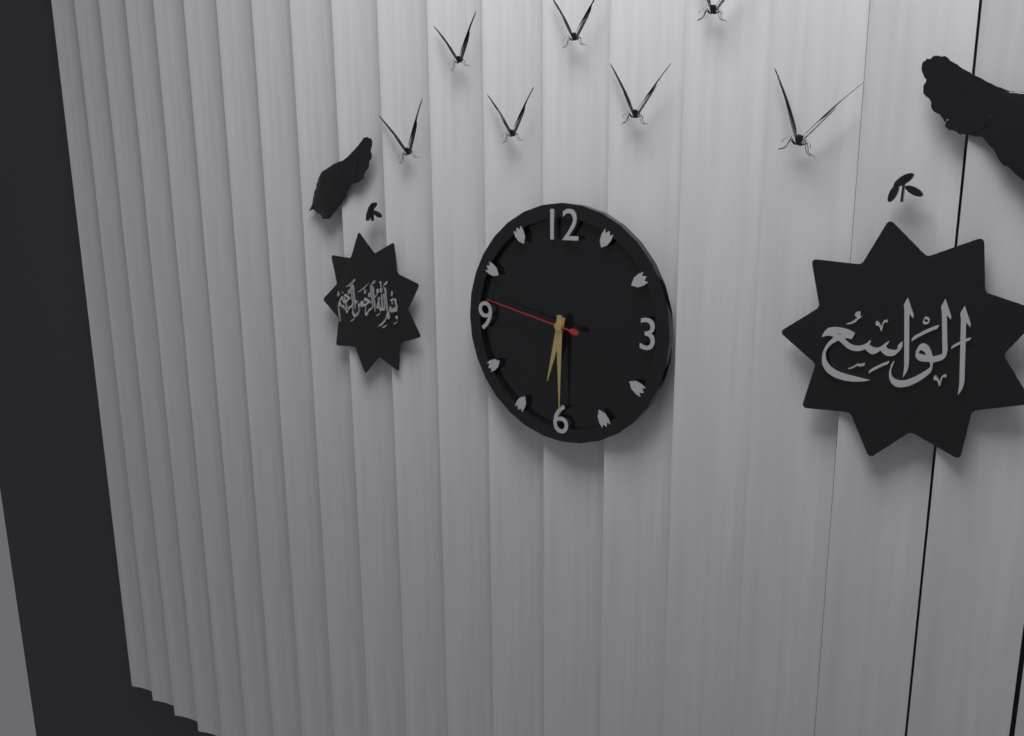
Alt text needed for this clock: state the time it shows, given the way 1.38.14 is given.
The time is 6.30.47
